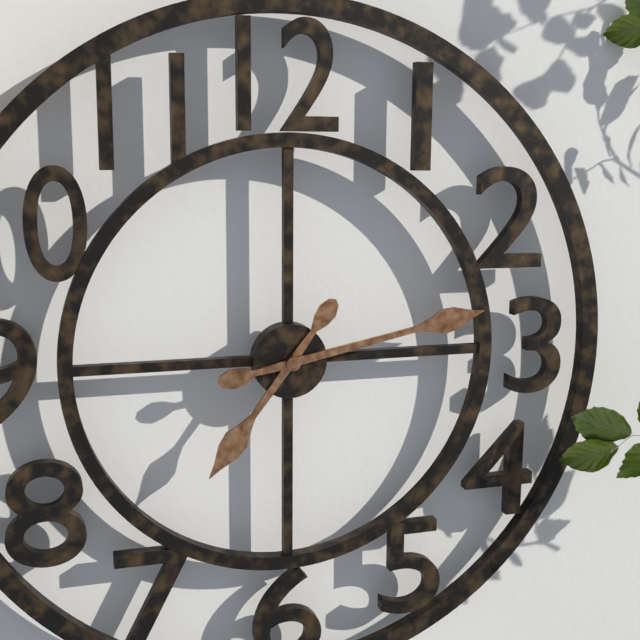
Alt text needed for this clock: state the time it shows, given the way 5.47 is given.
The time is 7.13
